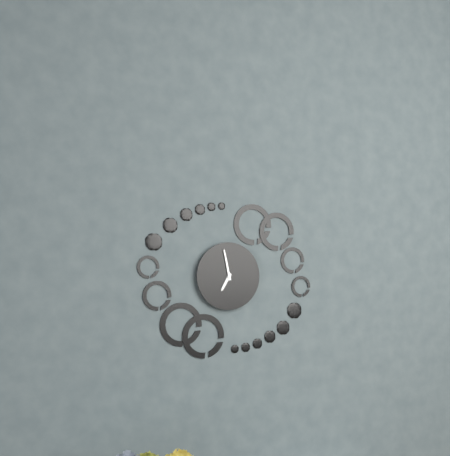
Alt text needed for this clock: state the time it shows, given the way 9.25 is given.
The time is 6.58
